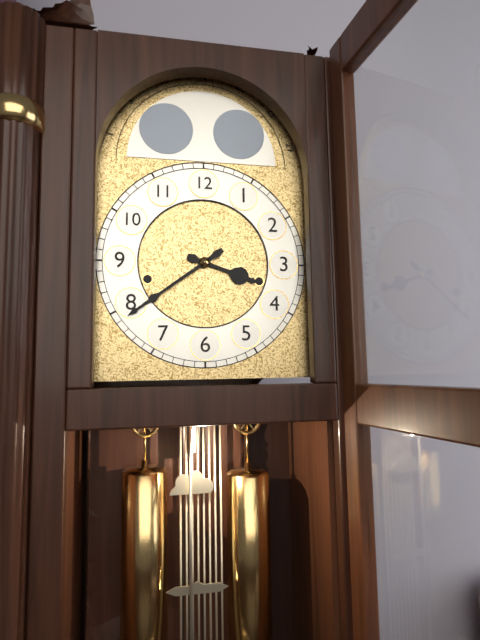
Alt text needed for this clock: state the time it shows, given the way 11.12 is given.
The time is 3.39
